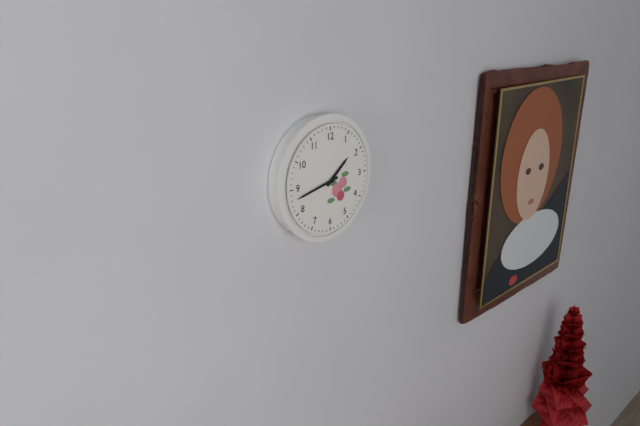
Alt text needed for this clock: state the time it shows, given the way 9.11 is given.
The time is 1.43
